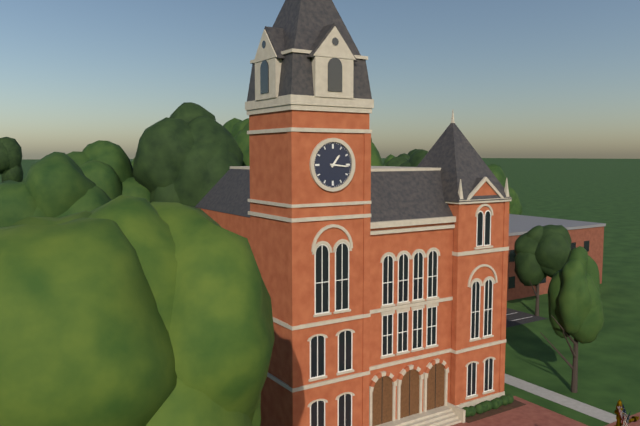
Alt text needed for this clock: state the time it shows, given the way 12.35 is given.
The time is 1.16
